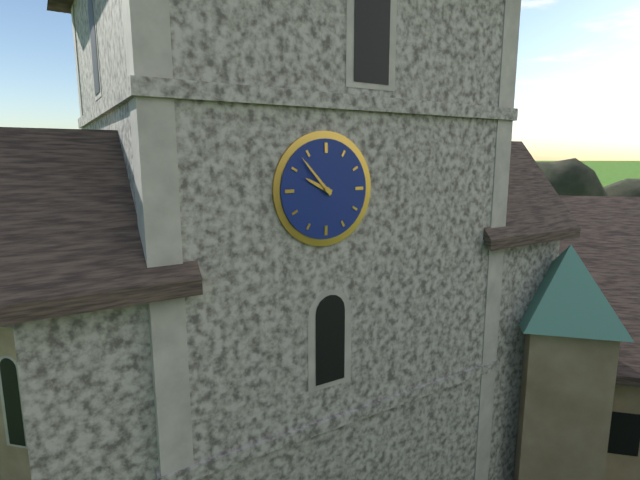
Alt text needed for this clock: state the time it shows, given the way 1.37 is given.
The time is 9.53
